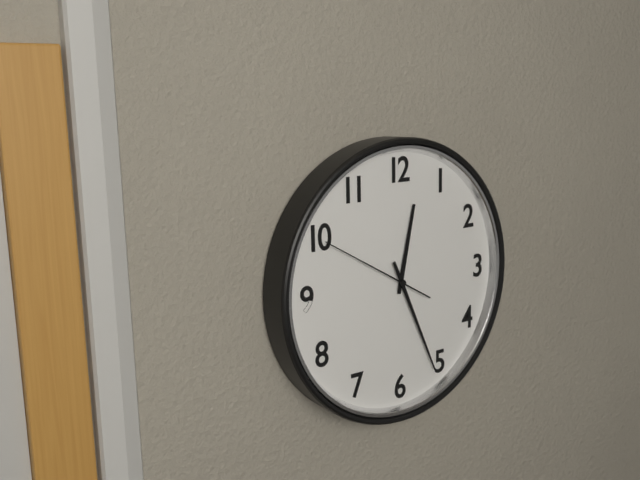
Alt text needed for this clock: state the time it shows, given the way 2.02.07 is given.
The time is 12.26.50
